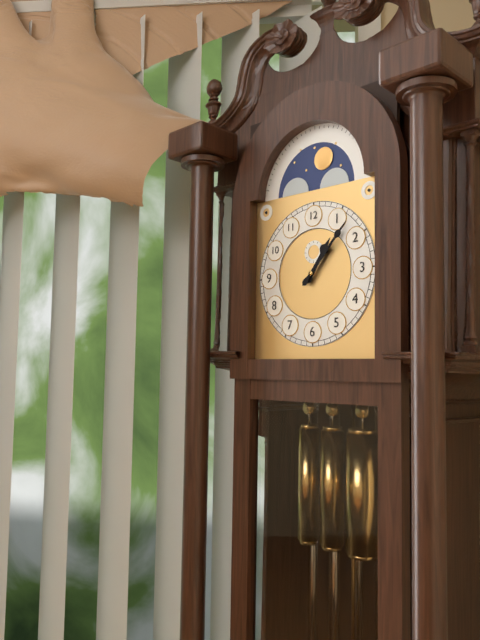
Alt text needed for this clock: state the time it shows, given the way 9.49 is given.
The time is 1.07
